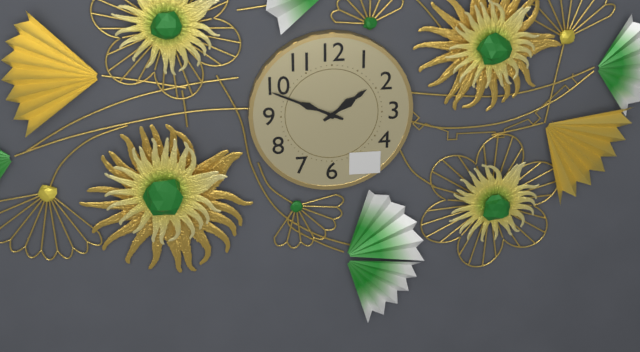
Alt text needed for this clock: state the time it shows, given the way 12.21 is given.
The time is 1.49
